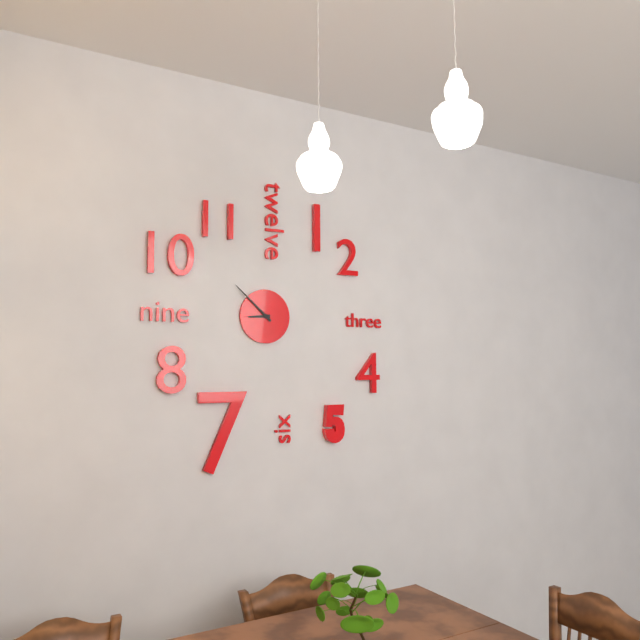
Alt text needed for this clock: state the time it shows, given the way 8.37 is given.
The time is 8.52
